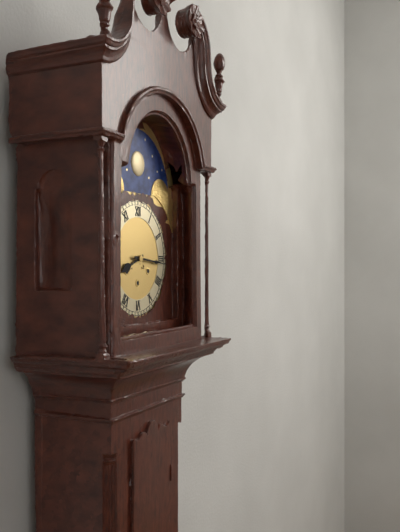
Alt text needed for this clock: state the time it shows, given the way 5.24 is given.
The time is 8.16
